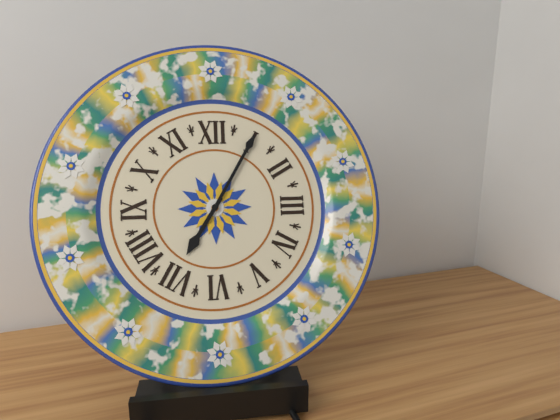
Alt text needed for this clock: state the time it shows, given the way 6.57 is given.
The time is 7.05
